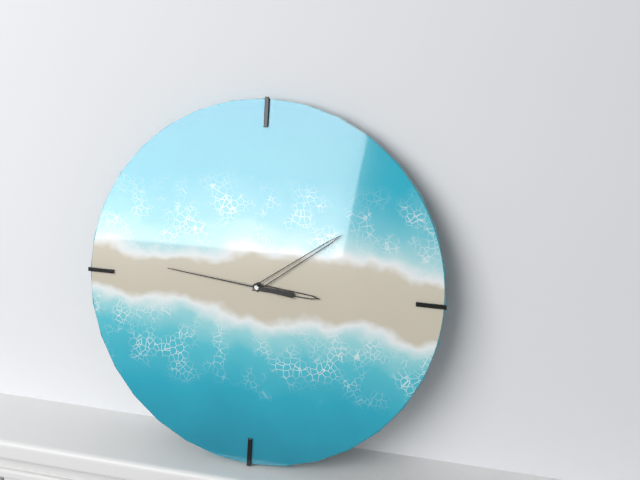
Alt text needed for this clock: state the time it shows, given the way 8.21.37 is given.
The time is 3.09.46
